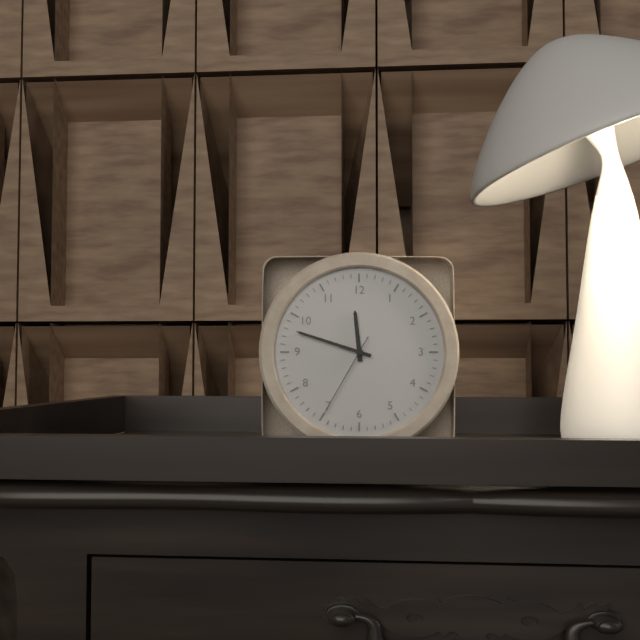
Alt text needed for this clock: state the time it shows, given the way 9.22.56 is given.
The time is 11.48.35
